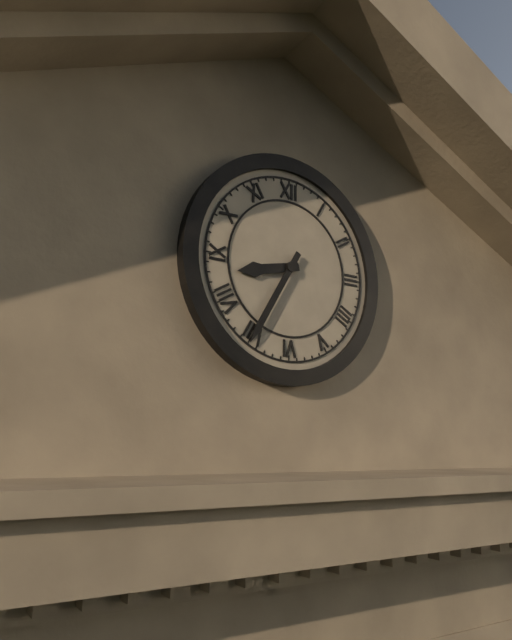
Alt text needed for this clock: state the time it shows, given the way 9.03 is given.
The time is 8.35
